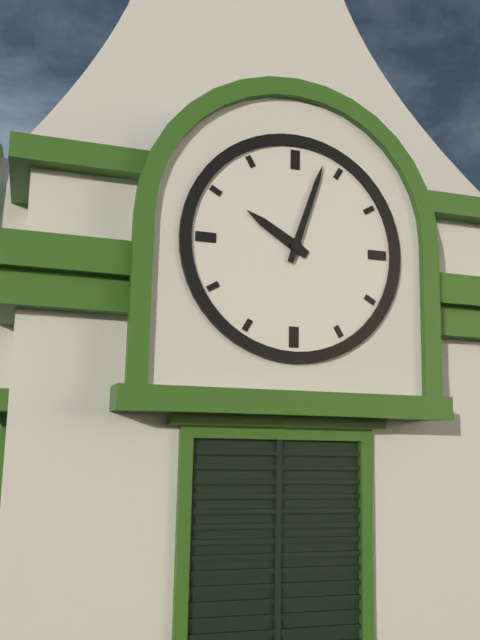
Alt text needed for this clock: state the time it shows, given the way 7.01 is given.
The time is 10.03
